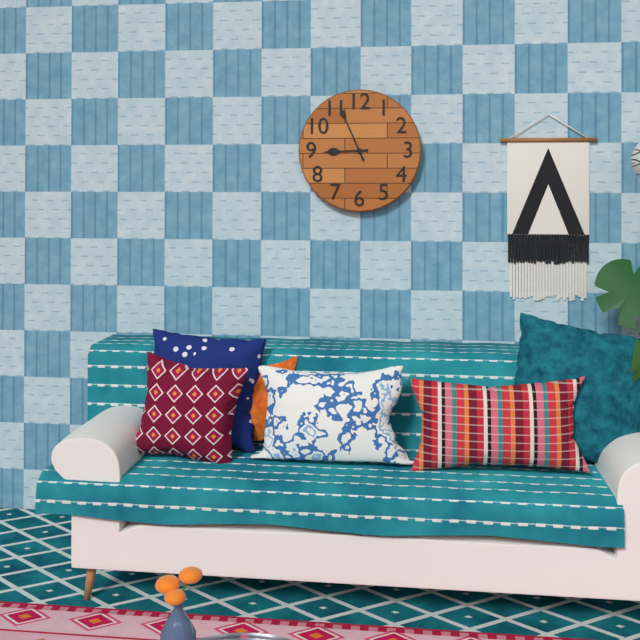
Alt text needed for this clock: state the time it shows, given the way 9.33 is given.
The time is 8.56
